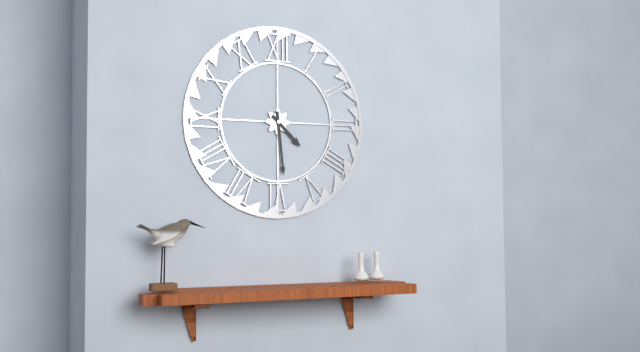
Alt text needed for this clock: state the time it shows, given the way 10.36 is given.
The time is 4.29
